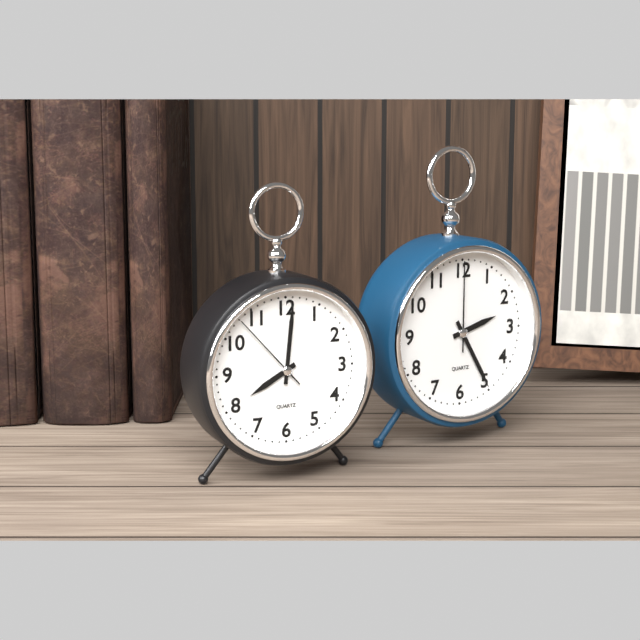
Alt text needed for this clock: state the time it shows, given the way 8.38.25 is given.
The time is 8.01.53
